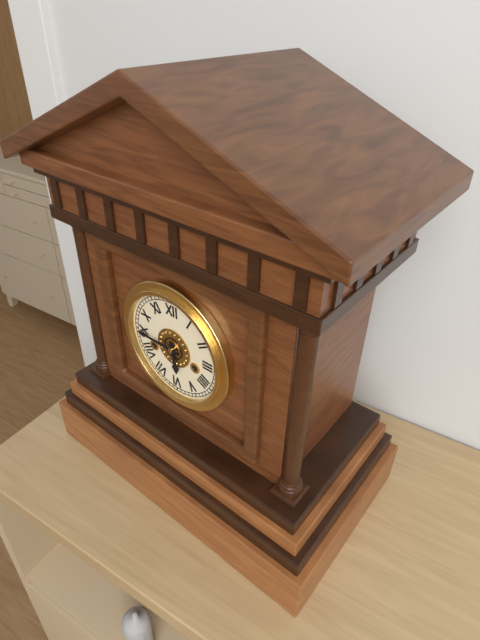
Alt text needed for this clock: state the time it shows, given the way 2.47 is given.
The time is 5.45
